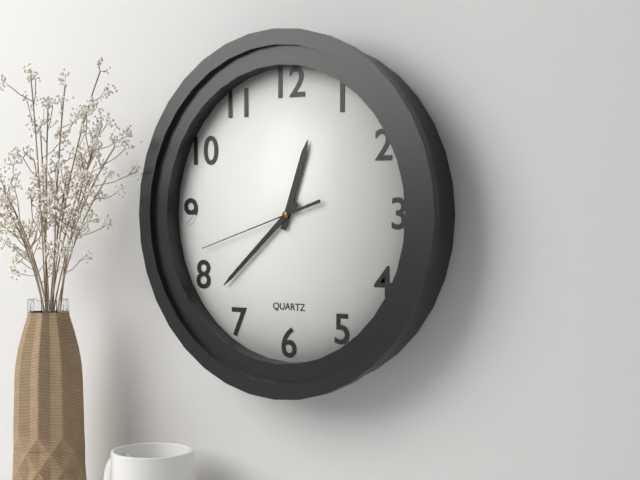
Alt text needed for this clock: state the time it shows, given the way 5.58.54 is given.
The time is 12.38.42
